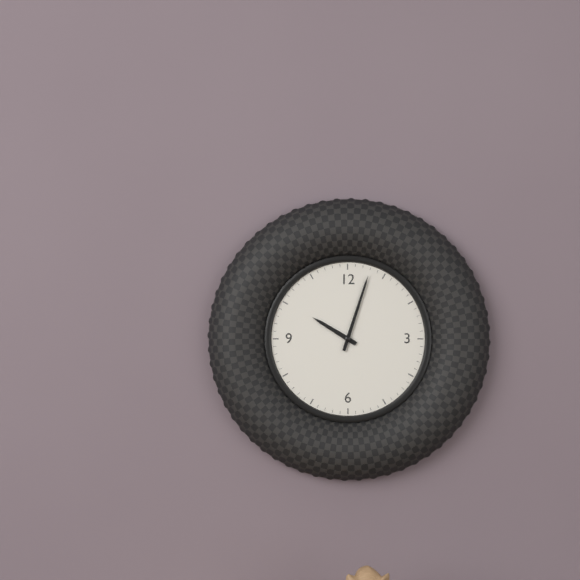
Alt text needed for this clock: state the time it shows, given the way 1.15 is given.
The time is 10.03
